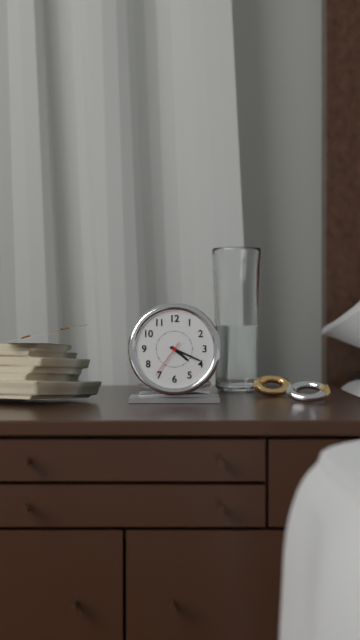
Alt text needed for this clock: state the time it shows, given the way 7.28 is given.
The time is 4.19
